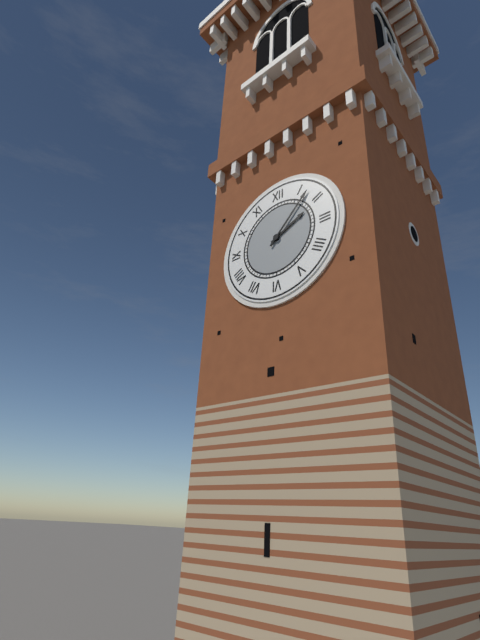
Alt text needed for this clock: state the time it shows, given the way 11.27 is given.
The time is 2.07
